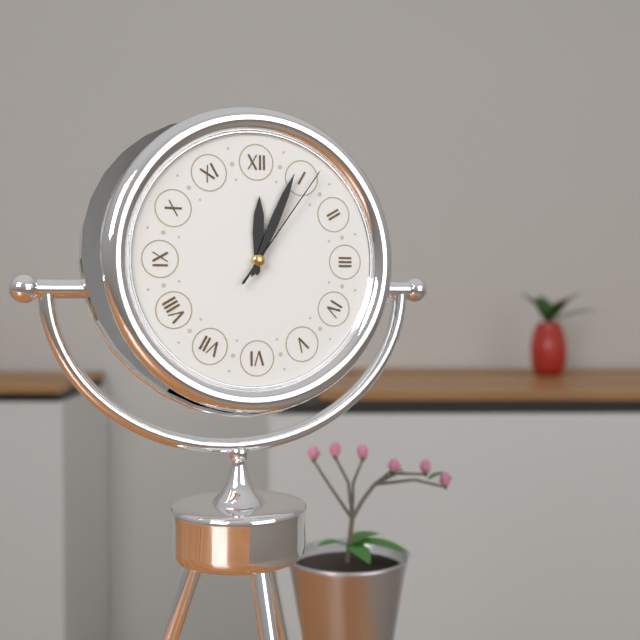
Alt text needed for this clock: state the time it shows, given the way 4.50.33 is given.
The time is 12.04.06
